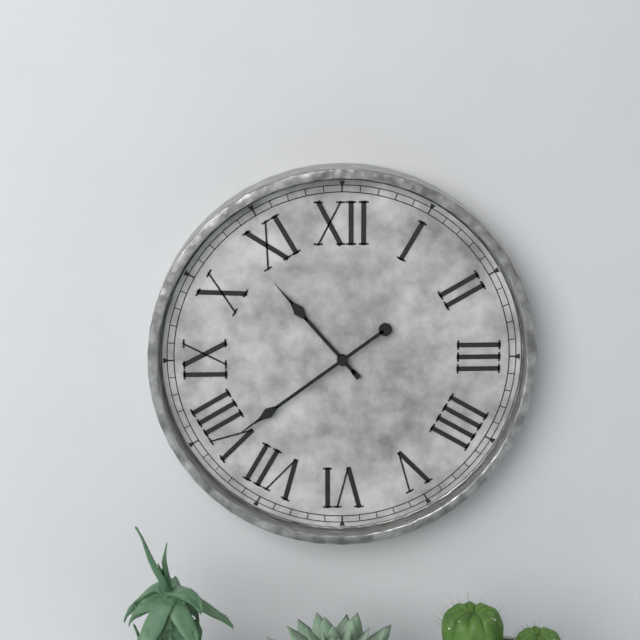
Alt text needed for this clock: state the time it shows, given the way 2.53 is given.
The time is 10.39
